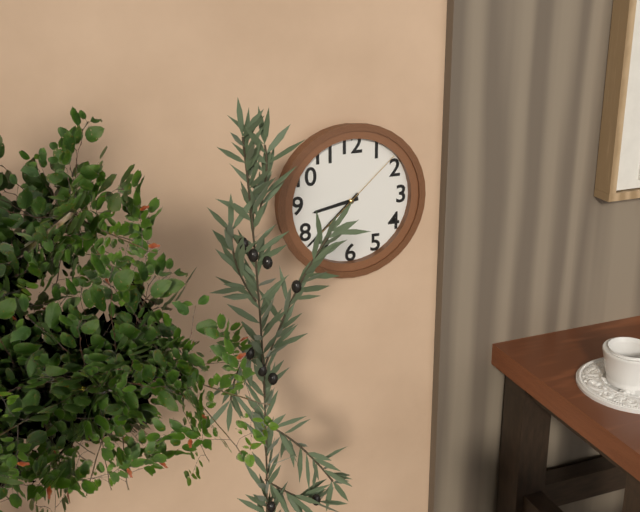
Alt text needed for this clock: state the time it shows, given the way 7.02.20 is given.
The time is 8.38.08
